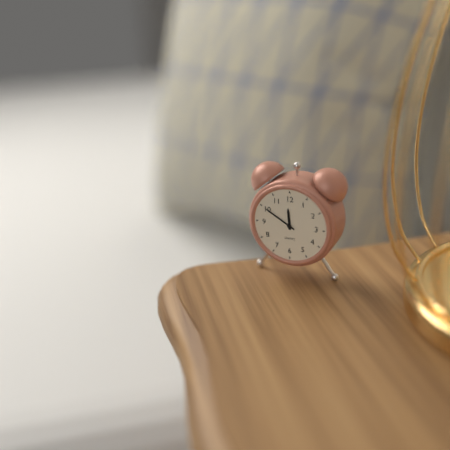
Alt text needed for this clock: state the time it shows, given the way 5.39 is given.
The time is 11.50
